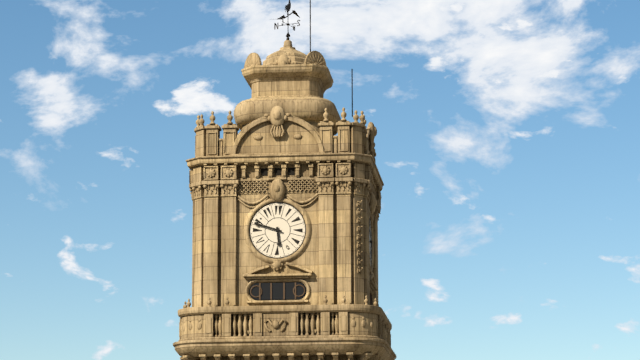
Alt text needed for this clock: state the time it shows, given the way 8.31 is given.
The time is 5.48
